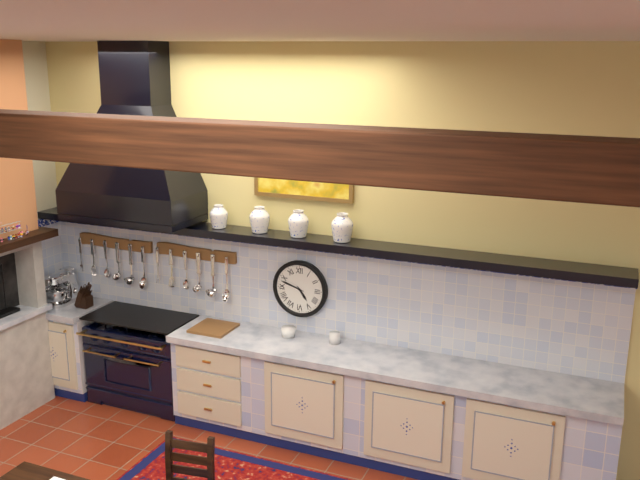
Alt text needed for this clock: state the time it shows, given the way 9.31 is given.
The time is 4.48
